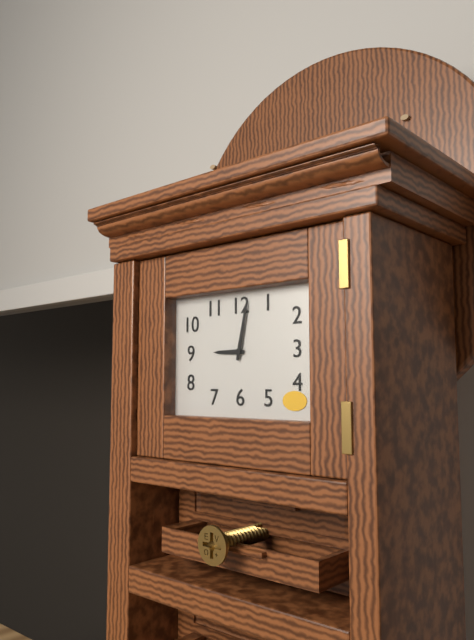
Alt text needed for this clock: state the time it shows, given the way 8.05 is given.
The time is 9.02
